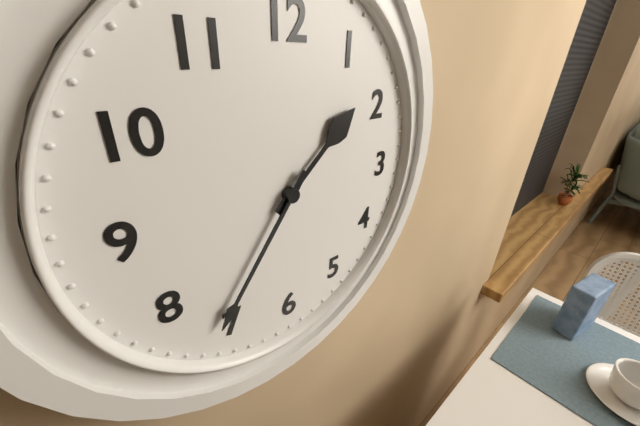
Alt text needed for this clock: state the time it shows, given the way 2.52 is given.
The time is 1.36
